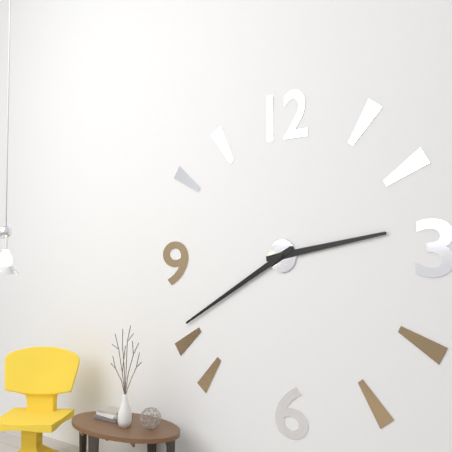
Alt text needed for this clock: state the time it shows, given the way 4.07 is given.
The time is 2.40
